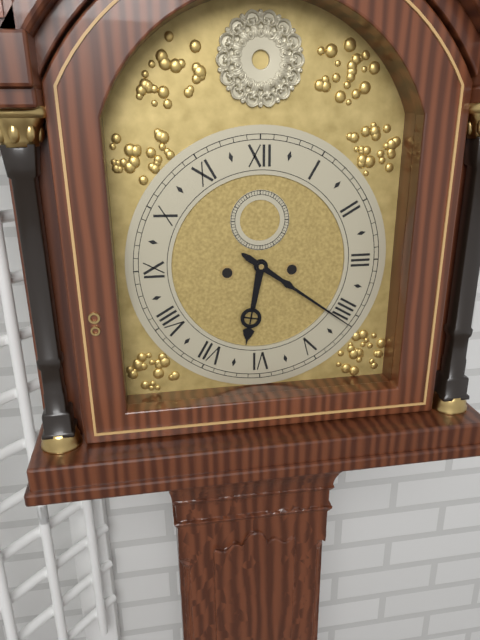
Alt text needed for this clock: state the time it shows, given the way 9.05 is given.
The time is 6.21
